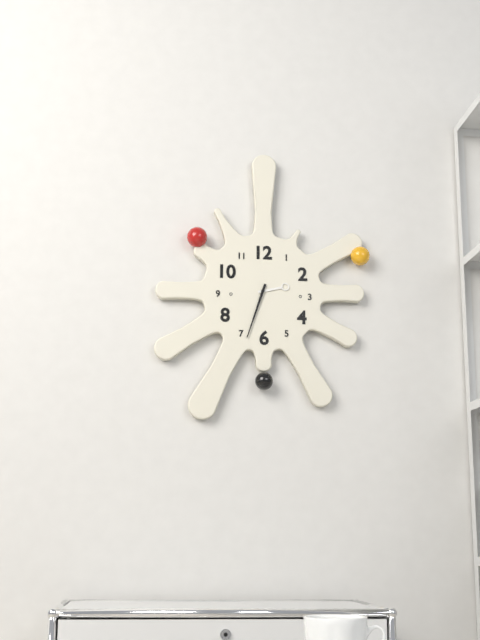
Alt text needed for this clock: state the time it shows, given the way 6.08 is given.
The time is 2.33
